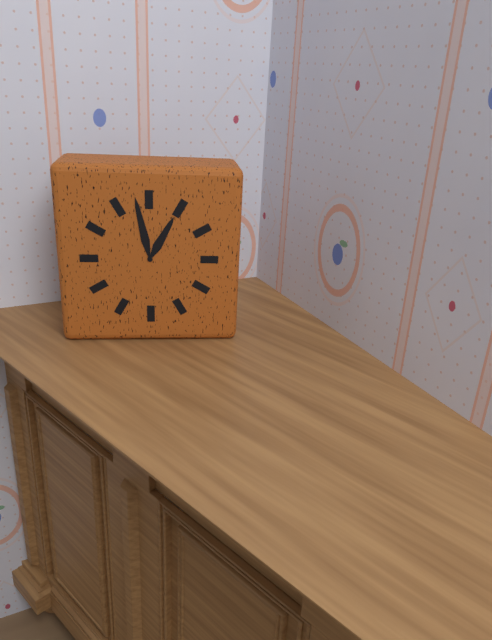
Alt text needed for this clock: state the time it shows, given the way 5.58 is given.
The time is 12.58
